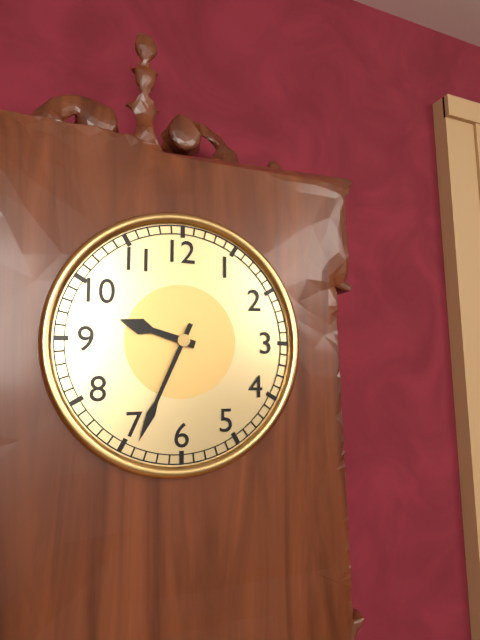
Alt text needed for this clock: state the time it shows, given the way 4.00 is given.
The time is 9.34
